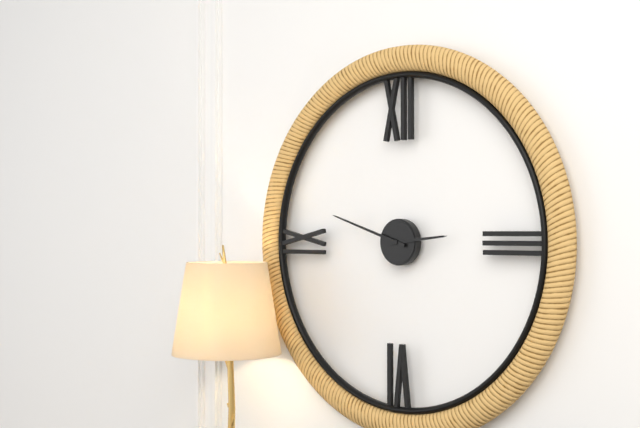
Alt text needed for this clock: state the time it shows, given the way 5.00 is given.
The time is 2.48
